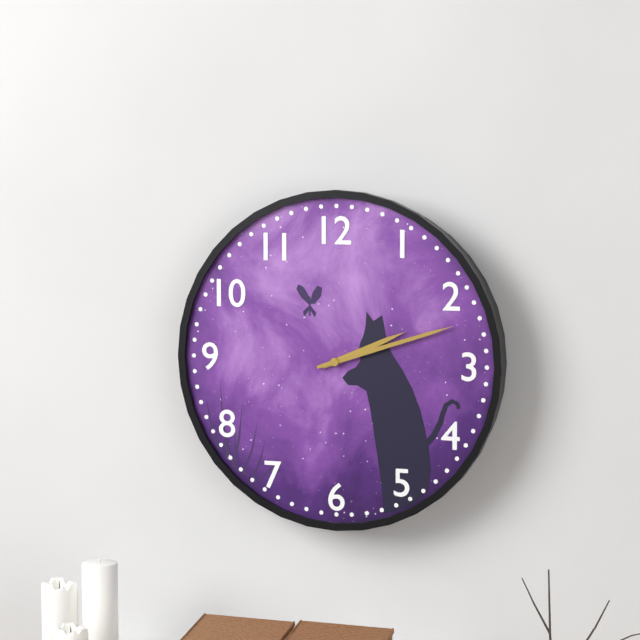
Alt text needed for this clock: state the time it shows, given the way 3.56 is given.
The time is 2.12
